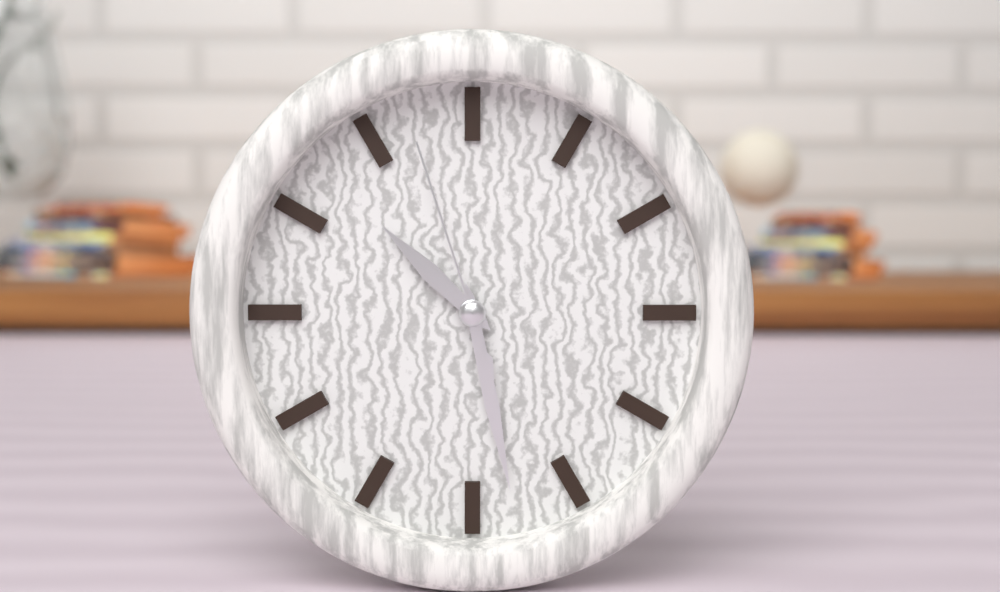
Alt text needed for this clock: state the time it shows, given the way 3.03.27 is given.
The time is 10.28.57
